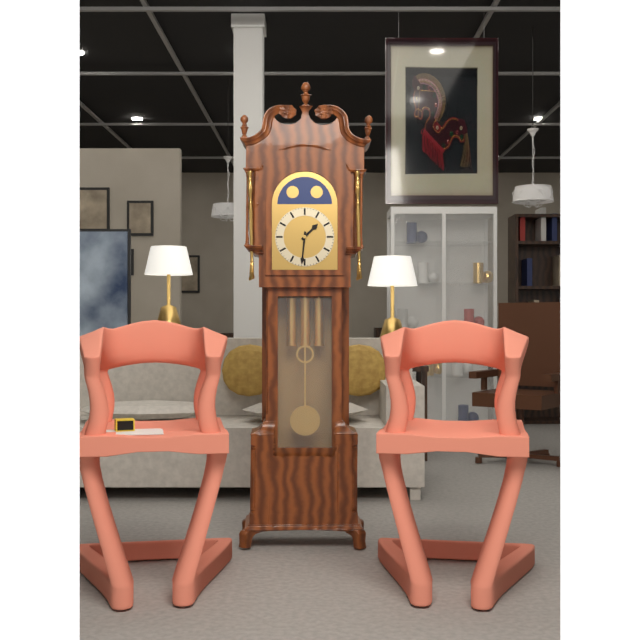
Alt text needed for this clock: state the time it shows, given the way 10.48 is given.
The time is 1.31
